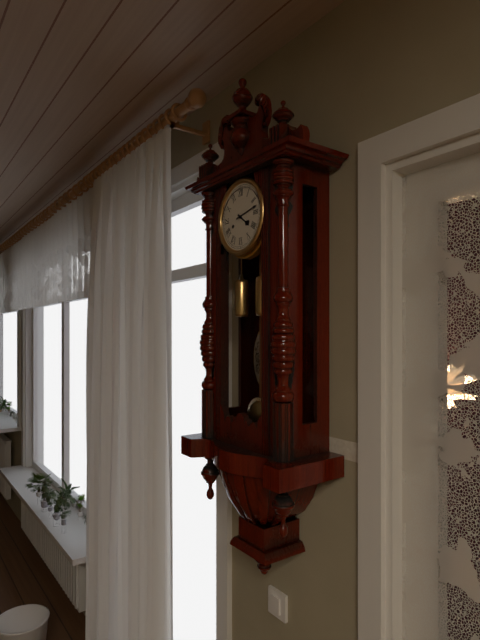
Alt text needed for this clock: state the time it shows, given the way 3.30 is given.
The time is 4.13
